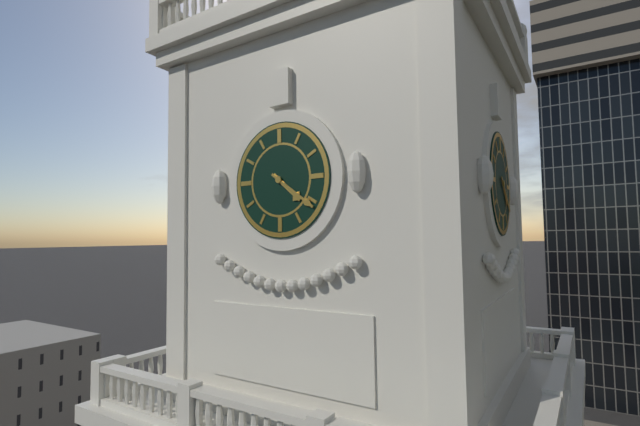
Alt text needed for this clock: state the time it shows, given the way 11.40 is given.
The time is 4.21
